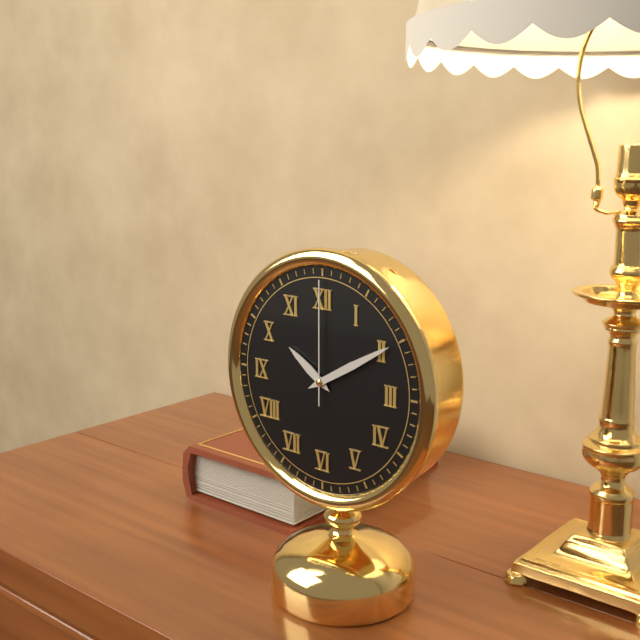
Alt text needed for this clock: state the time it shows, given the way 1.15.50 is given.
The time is 10.10.00
